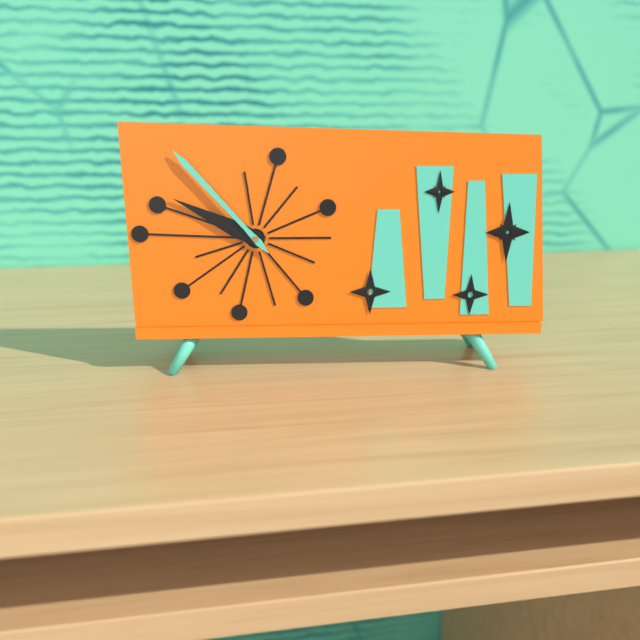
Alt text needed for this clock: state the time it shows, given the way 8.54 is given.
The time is 9.53
